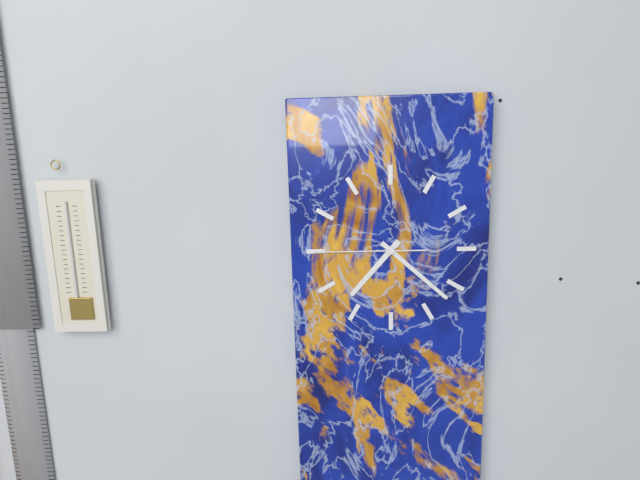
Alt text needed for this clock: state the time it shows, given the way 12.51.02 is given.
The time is 7.22.45
